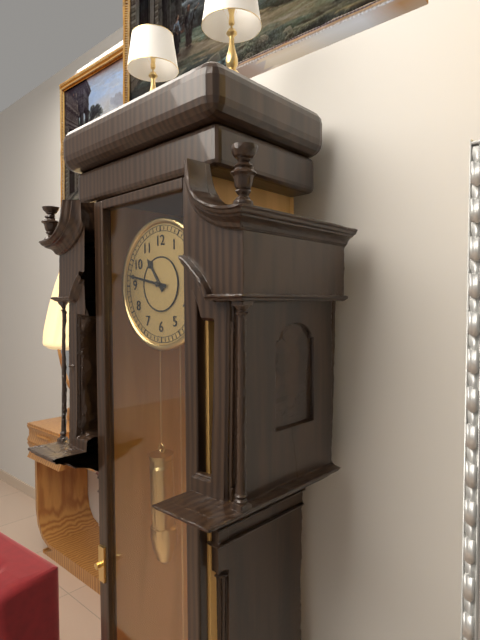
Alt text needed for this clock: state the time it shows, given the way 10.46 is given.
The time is 10.47
